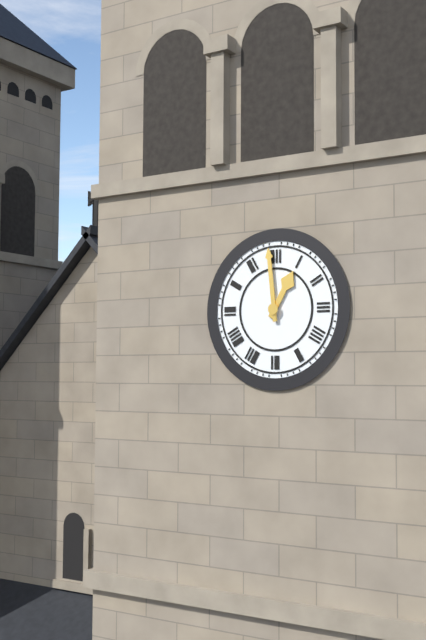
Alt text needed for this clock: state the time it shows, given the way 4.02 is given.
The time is 12.59
